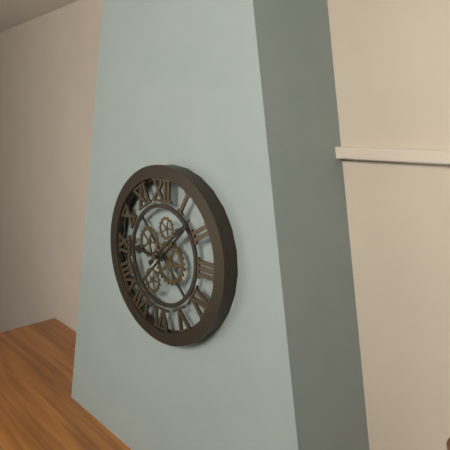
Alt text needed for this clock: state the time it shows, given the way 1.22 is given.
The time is 9.08
